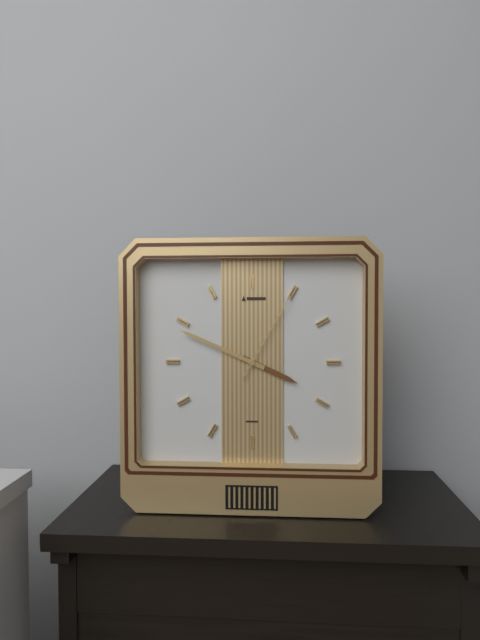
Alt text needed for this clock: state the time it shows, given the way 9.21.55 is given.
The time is 3.49.05
